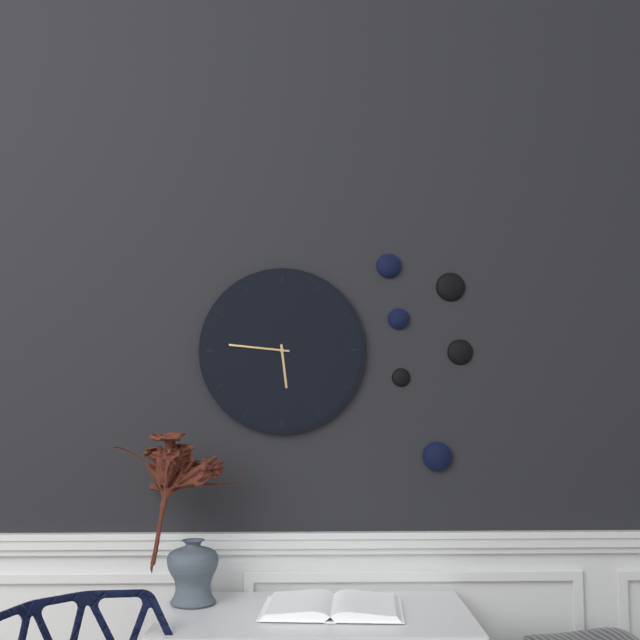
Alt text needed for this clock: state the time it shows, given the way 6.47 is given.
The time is 5.46
